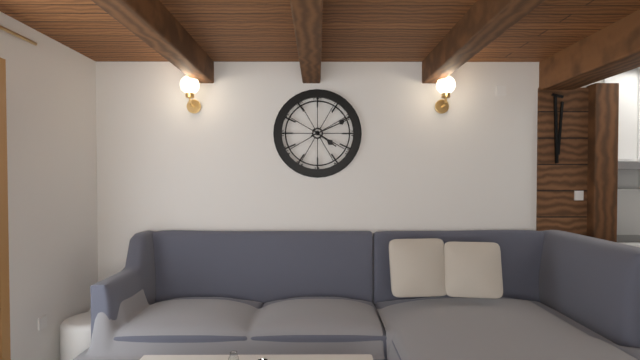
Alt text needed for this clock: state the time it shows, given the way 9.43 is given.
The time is 4.11
